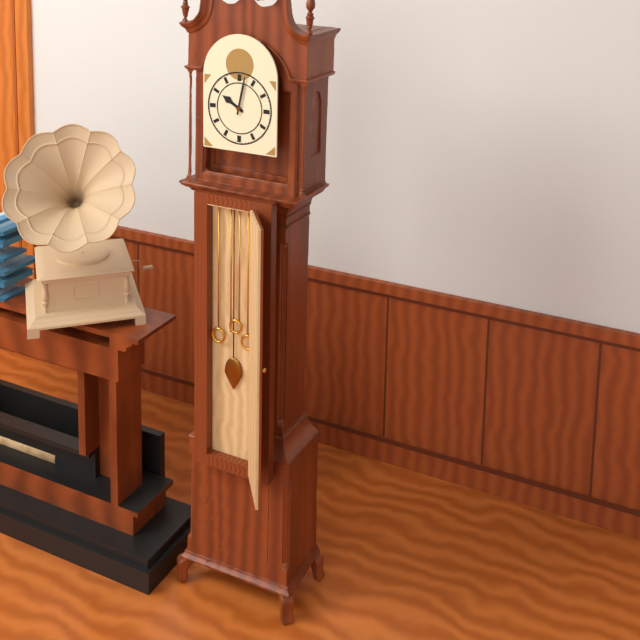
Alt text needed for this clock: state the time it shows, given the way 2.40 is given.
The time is 10.02
